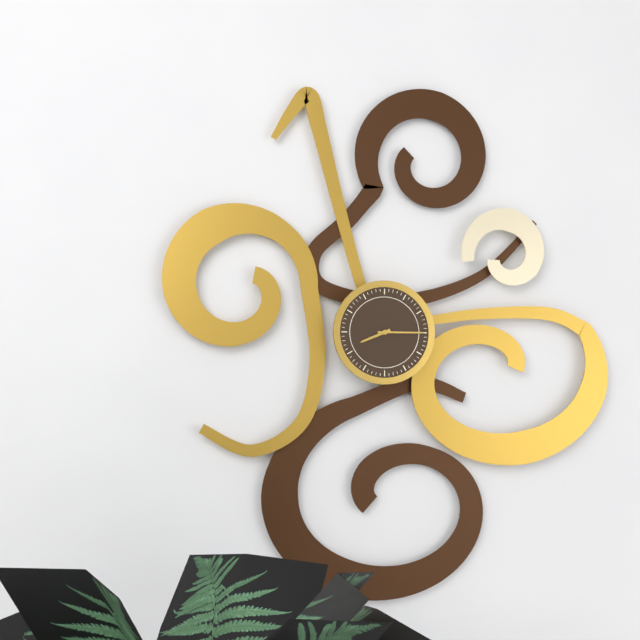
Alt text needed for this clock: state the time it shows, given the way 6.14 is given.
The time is 8.15
